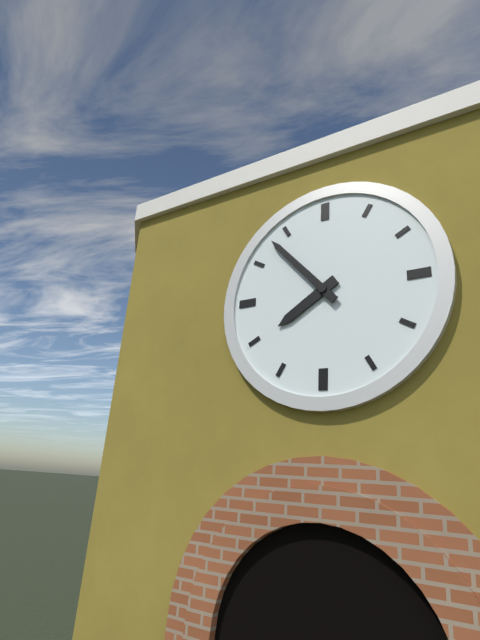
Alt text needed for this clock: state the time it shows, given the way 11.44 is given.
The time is 7.53
